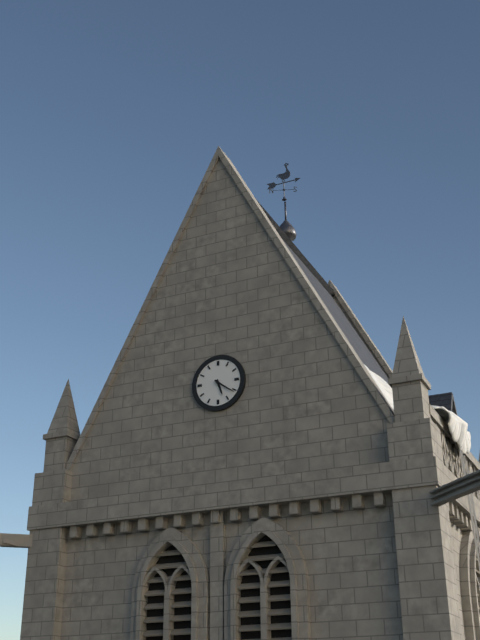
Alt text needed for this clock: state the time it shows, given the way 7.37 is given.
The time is 5.21
